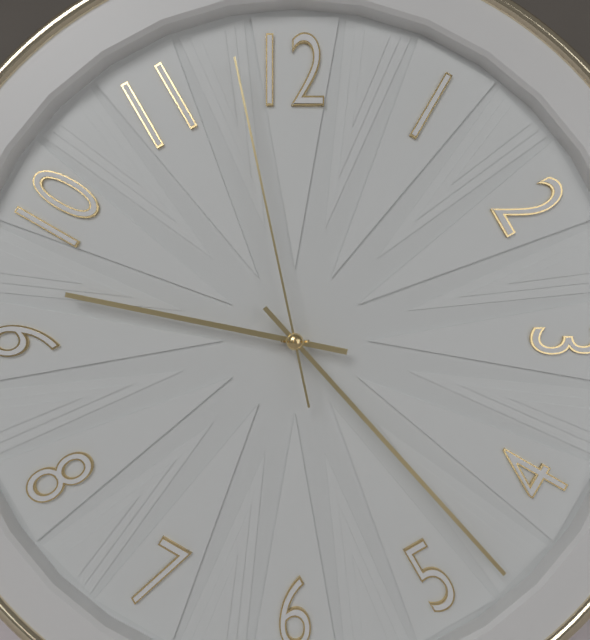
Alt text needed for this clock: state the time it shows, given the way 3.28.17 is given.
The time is 9.23.58
